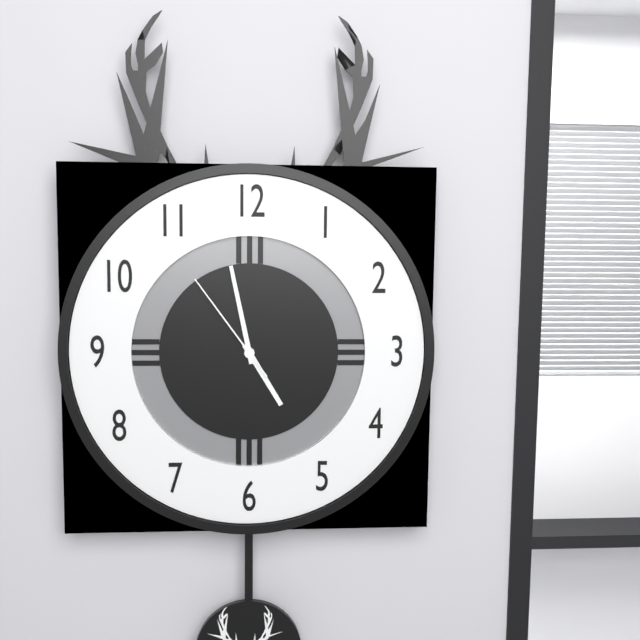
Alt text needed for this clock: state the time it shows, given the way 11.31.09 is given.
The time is 4.58.54
